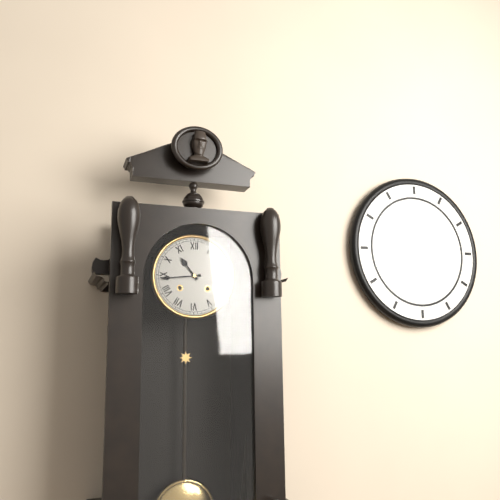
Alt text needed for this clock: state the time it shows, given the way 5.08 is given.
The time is 10.44
